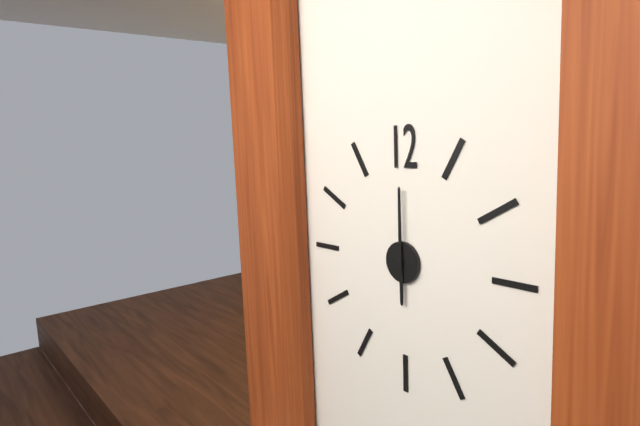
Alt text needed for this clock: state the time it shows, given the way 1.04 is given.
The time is 6.00
